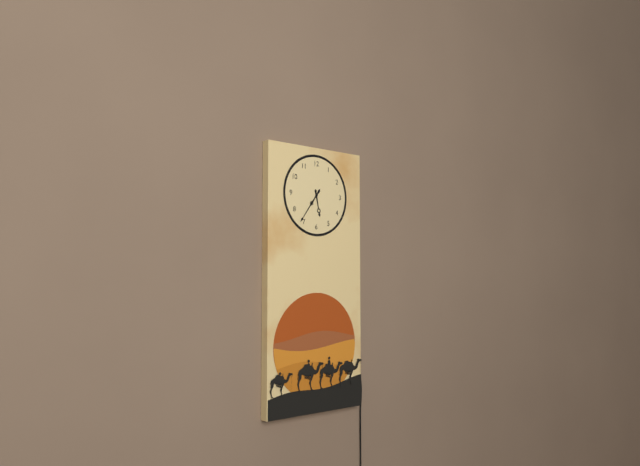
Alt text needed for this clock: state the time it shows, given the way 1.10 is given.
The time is 5.36
